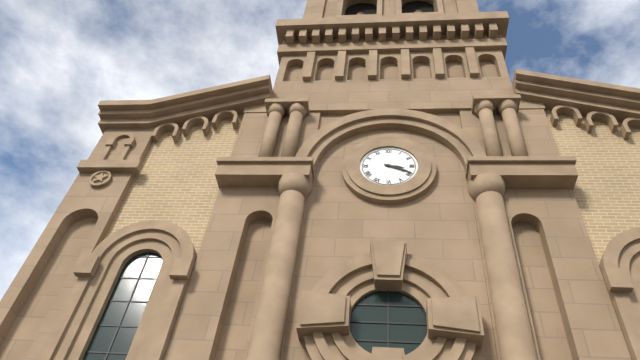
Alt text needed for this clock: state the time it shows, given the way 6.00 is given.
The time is 3.19
